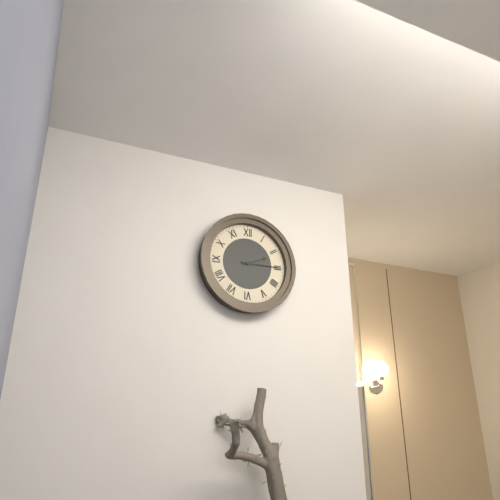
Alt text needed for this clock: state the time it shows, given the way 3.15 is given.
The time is 2.15
